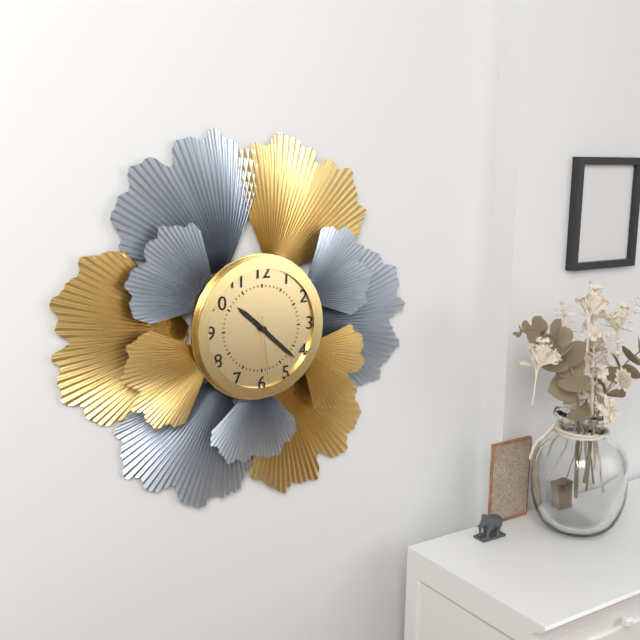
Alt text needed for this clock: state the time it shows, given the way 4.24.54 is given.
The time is 10.22.29
